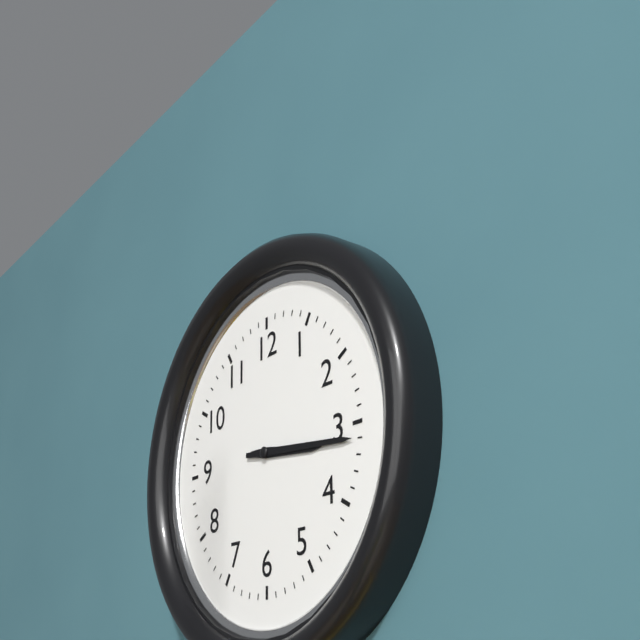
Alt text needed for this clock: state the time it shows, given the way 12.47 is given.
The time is 3.16
